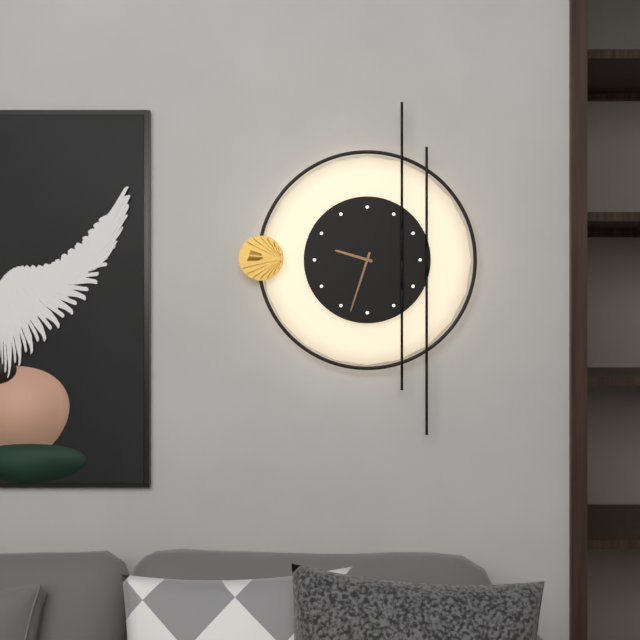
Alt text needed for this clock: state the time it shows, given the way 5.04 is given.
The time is 9.33
